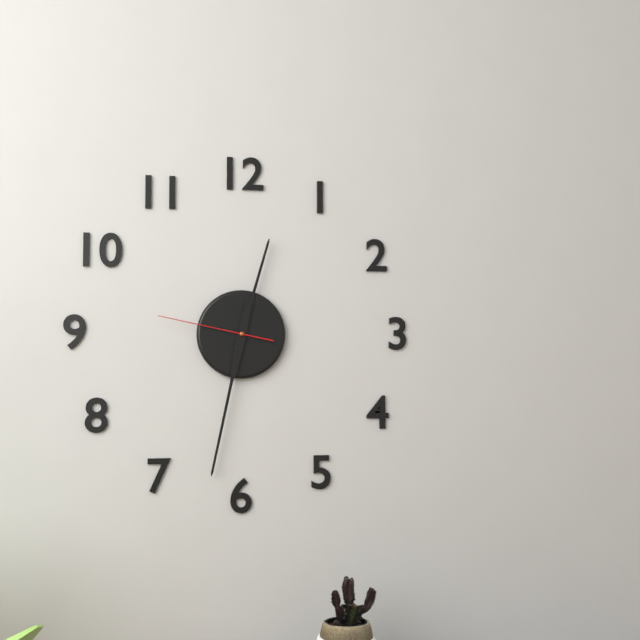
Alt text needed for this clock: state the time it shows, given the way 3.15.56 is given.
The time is 12.32.47
